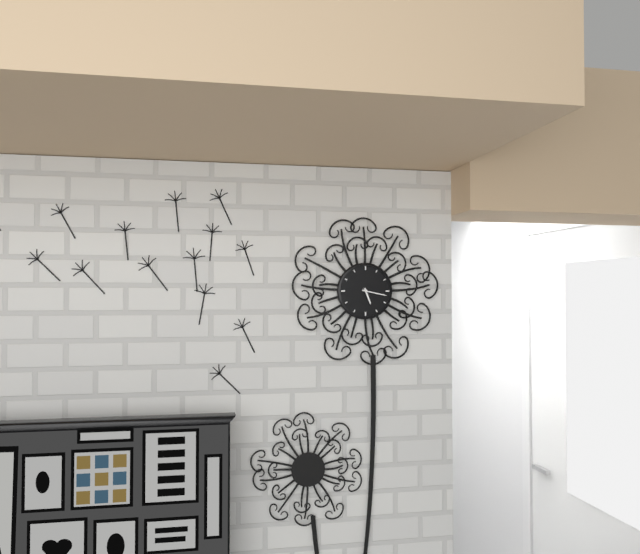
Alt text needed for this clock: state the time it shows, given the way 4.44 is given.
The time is 5.17
